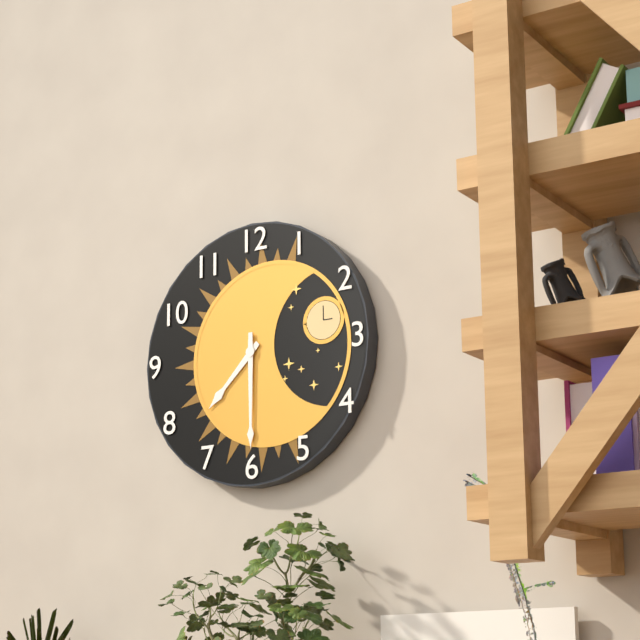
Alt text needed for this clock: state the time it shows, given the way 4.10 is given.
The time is 7.30
